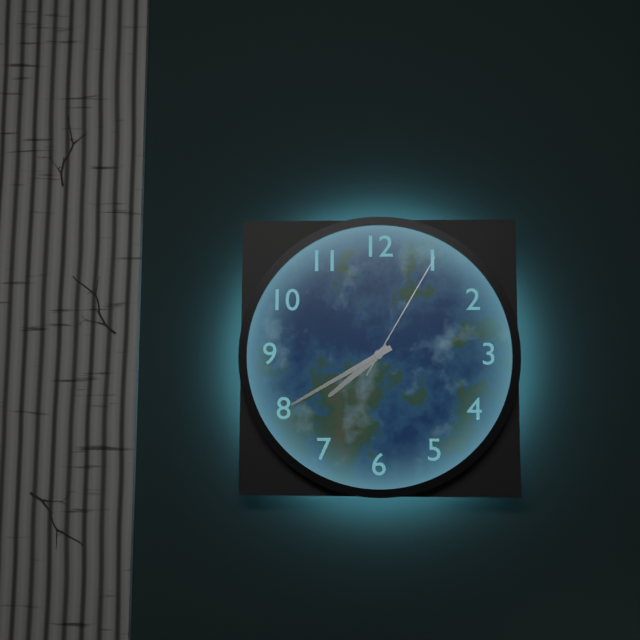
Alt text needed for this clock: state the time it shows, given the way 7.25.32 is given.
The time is 7.40.05
